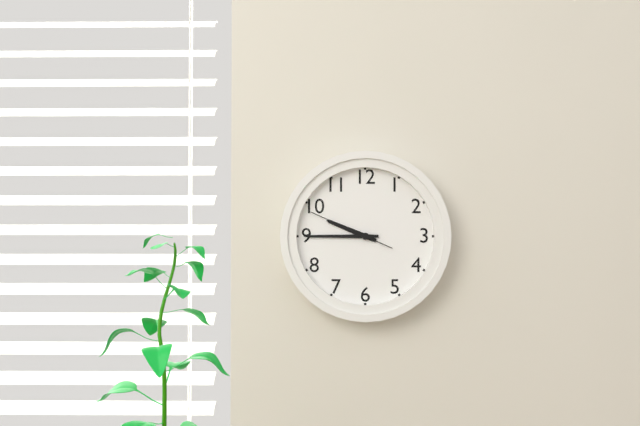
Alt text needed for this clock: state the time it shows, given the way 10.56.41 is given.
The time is 9.45.49
